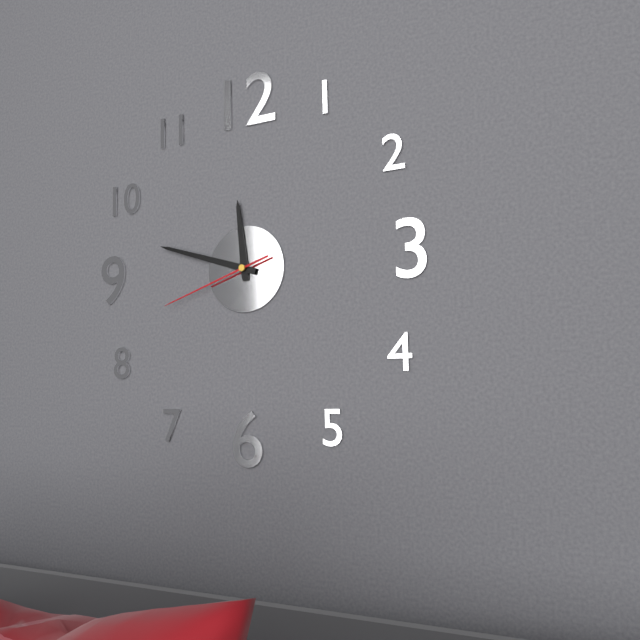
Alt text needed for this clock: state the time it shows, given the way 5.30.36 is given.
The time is 11.48.42
